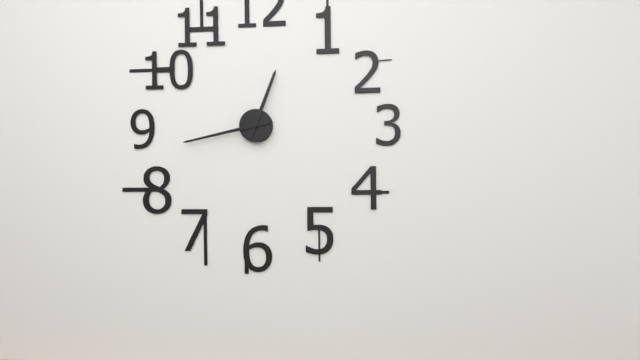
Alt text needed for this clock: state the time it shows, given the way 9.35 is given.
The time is 12.43
